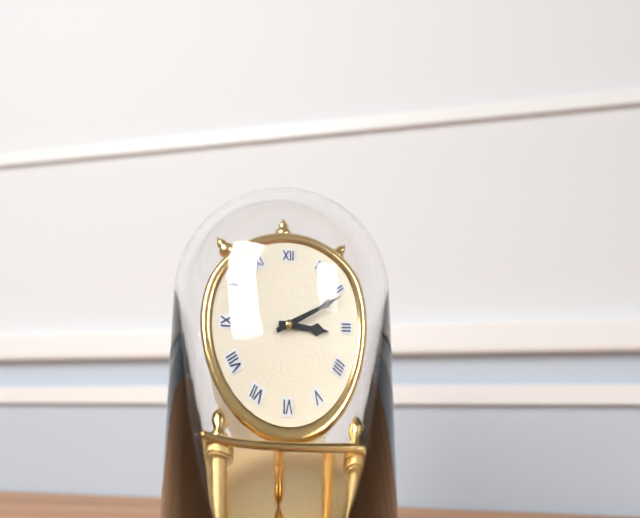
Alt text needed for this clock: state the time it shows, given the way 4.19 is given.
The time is 3.11
